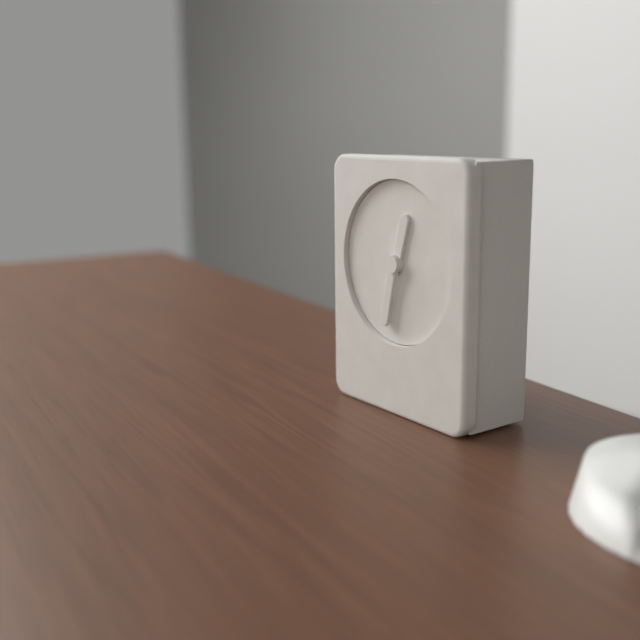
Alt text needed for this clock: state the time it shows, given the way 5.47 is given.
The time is 12.32
